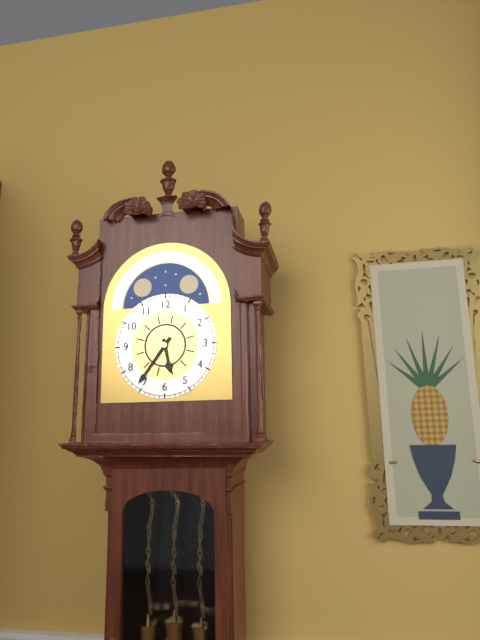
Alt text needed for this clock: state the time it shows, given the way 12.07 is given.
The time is 5.36
